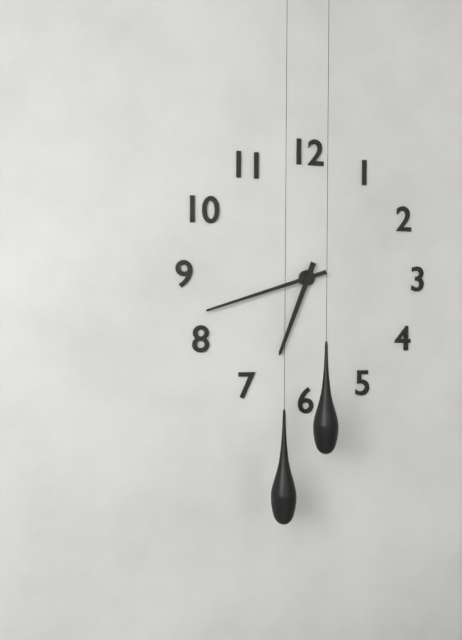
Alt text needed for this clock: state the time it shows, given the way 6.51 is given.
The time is 6.42
